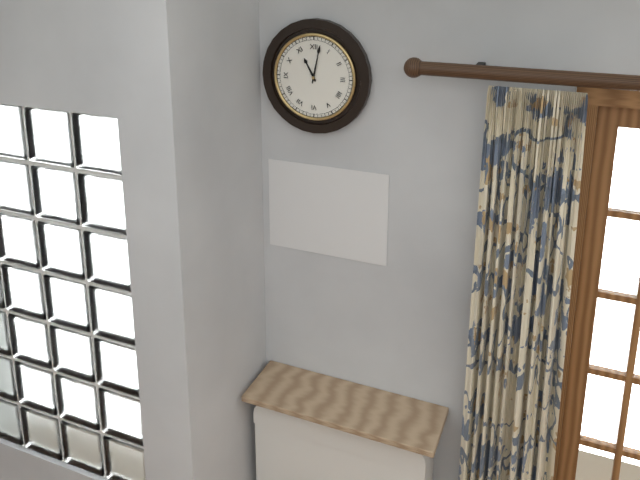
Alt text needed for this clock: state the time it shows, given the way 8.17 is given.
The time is 11.02
